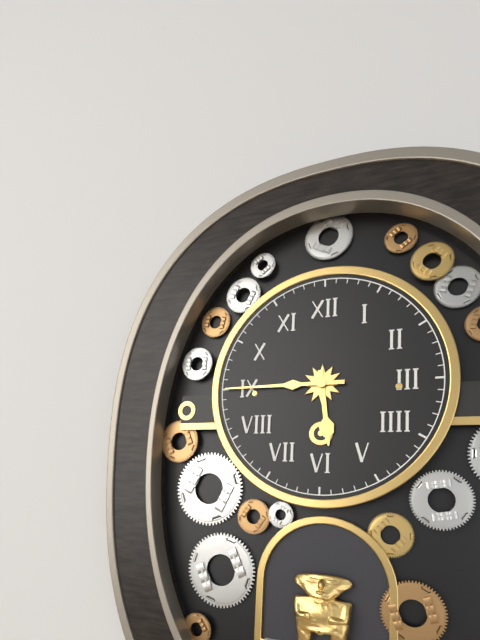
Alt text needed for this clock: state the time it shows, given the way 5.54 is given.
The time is 5.45
